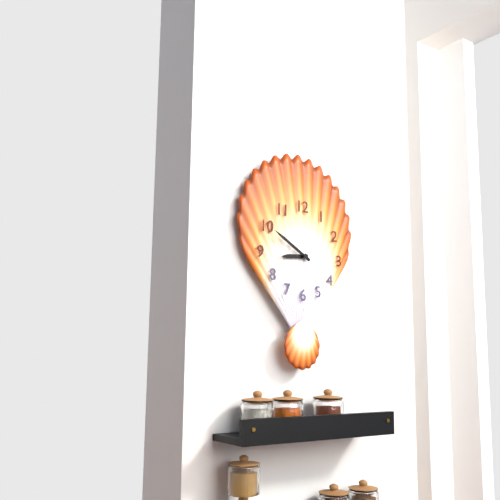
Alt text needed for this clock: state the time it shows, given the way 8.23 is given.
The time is 8.50
